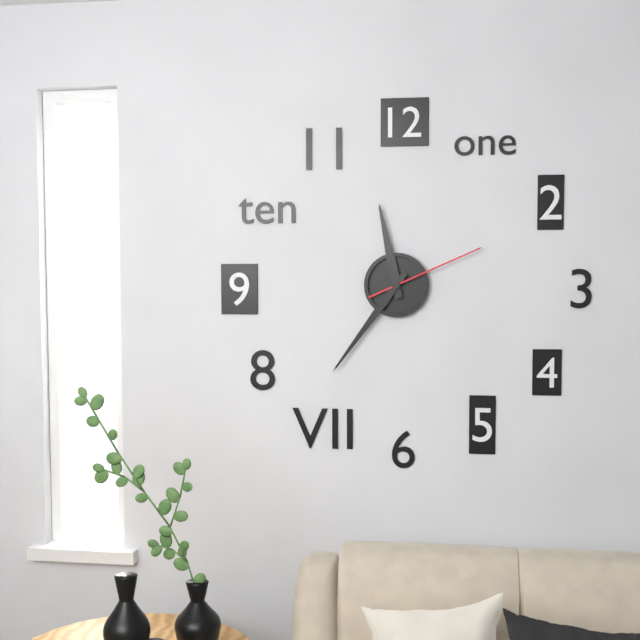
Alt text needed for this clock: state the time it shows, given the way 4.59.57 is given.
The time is 11.36.11
